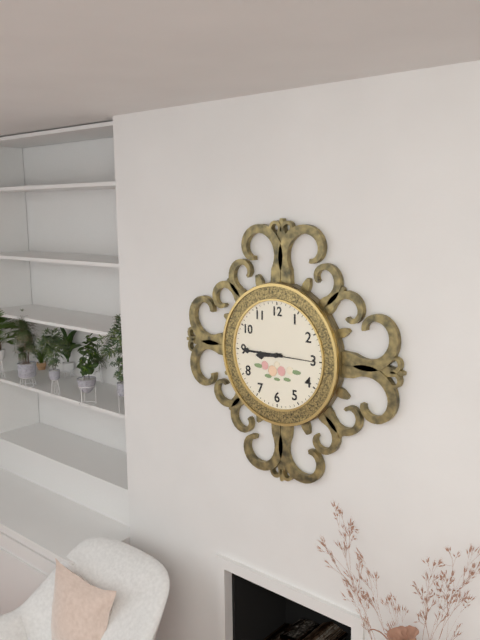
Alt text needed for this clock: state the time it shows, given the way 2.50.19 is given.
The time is 8.45.15
